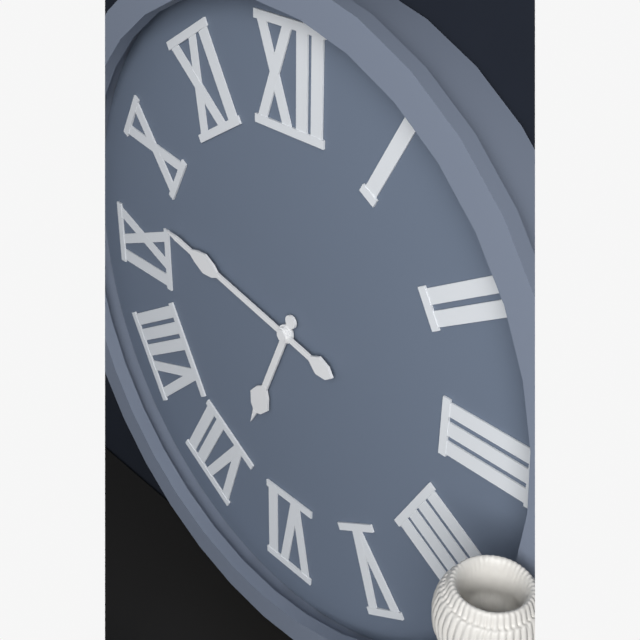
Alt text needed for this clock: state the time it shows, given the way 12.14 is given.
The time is 6.47
